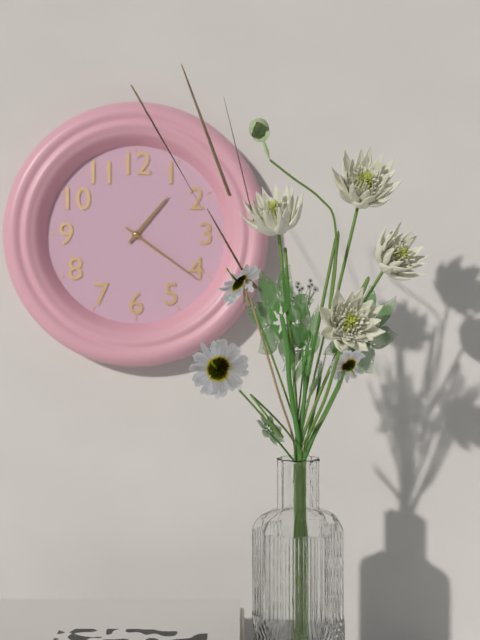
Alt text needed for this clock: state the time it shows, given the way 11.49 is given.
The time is 1.21
